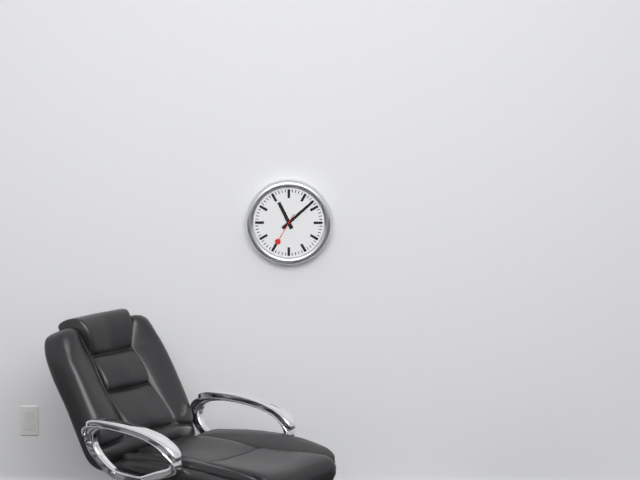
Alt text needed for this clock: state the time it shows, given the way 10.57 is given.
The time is 11.08
